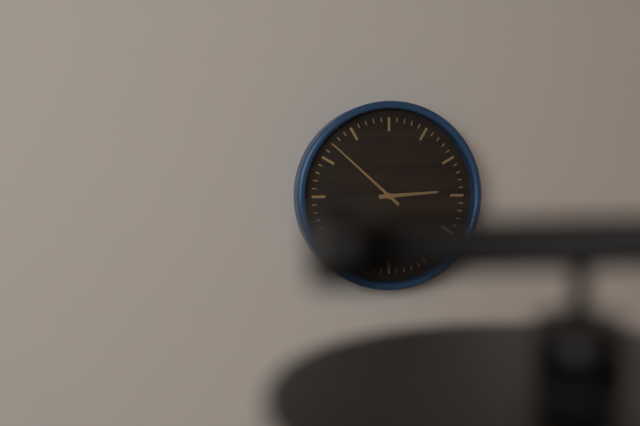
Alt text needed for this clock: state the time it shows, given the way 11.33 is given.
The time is 2.52
